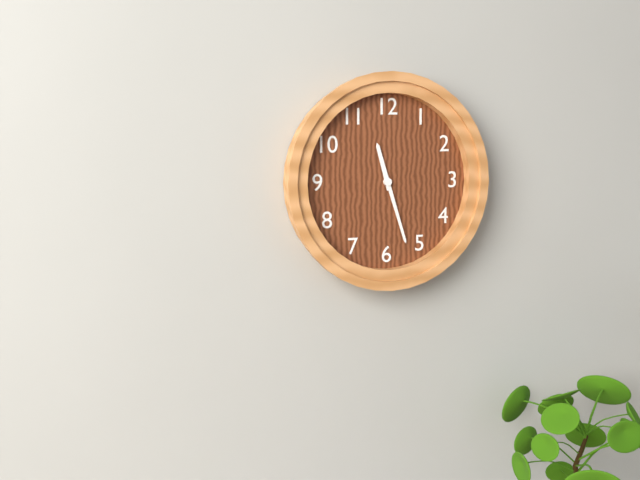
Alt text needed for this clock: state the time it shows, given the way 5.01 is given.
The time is 11.27
